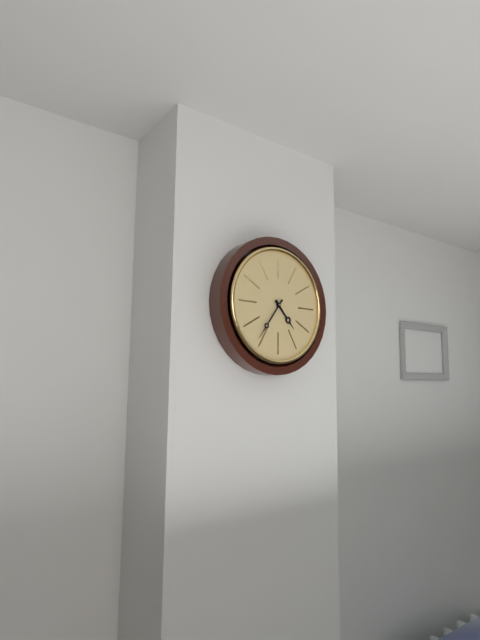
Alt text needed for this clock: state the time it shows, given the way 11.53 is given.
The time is 4.36
